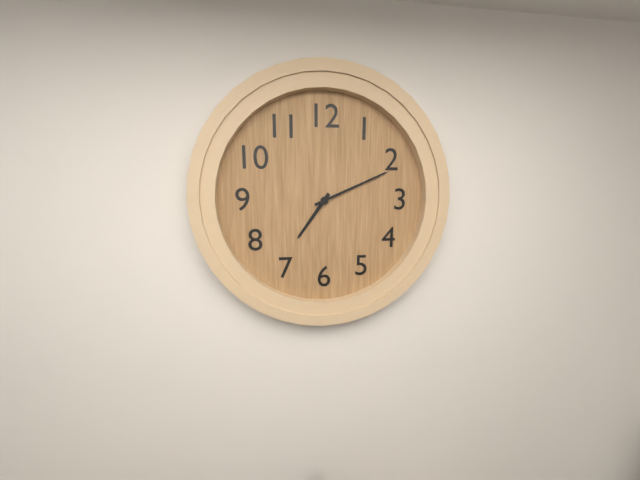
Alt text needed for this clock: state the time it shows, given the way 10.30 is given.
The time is 7.11
